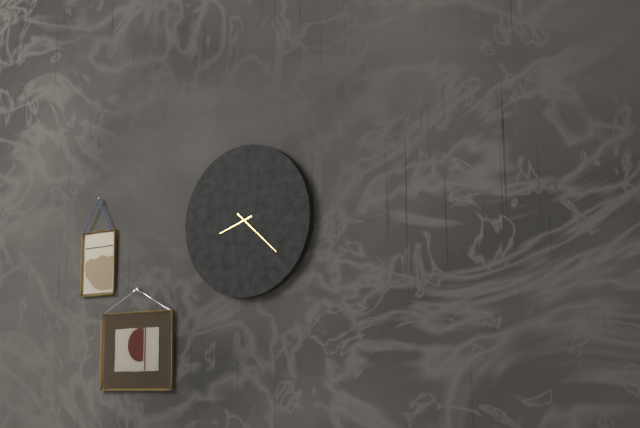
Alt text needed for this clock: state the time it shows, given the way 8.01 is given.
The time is 8.22
